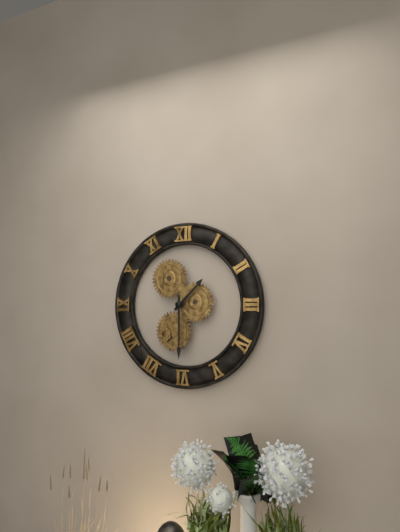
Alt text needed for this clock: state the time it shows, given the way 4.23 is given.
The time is 1.30
